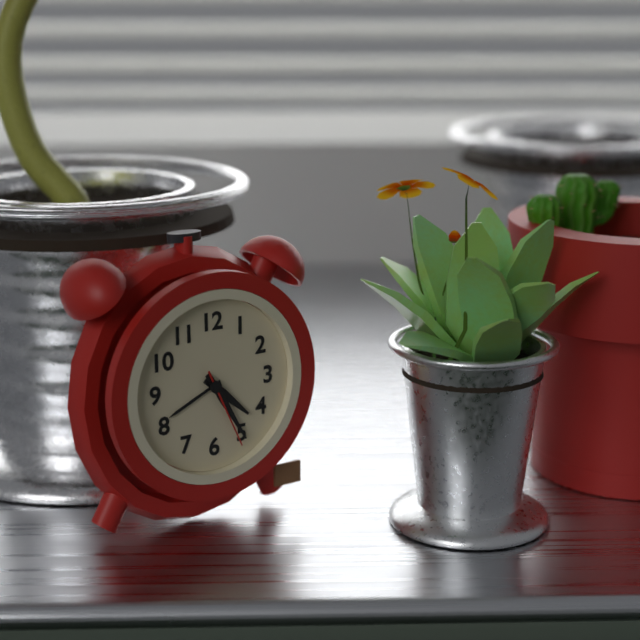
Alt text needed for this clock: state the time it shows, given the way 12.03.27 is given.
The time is 4.25.26
